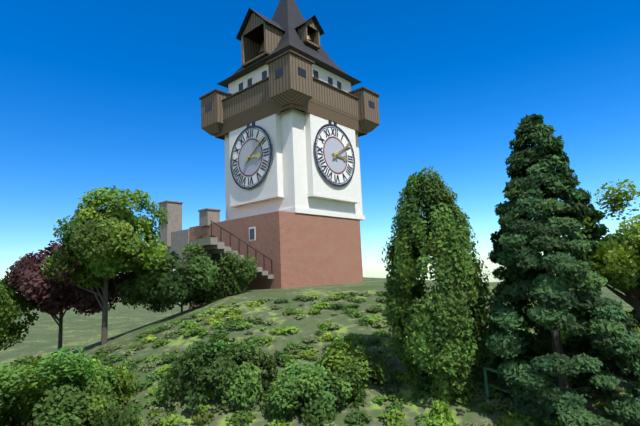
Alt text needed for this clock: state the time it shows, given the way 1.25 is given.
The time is 3.09
